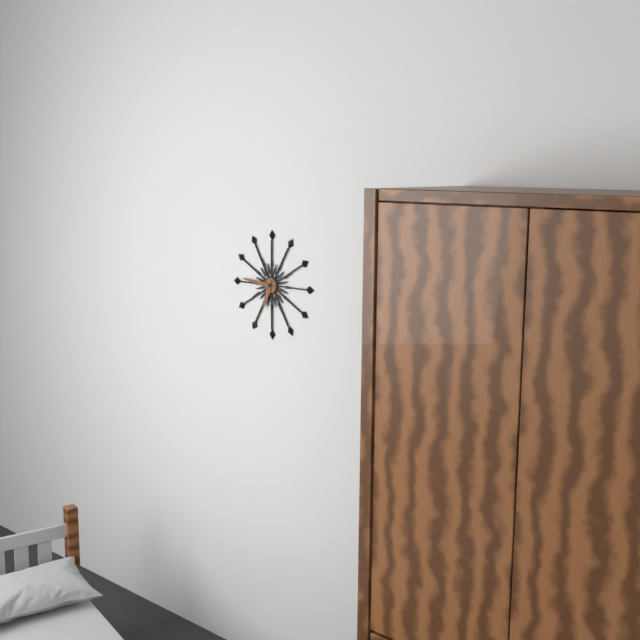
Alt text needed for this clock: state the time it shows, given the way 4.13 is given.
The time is 6.46
